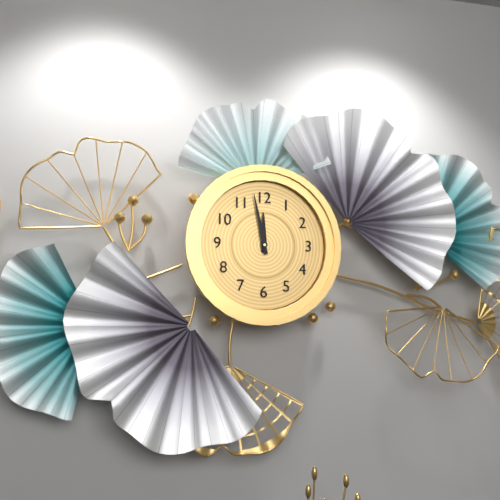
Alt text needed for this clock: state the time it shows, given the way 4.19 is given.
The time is 11.58
